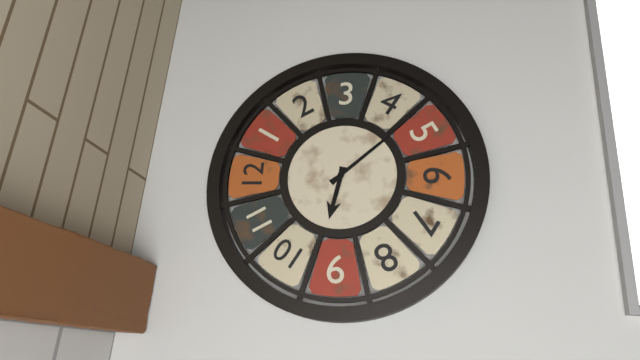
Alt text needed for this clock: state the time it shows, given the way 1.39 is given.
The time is 9.23
